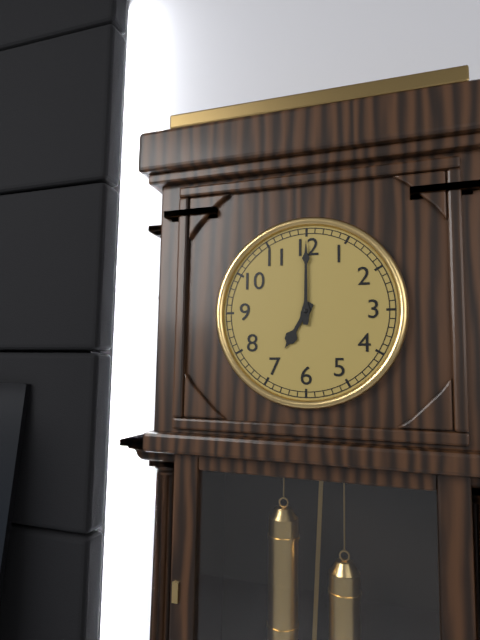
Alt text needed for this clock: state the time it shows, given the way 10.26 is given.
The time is 7.00
